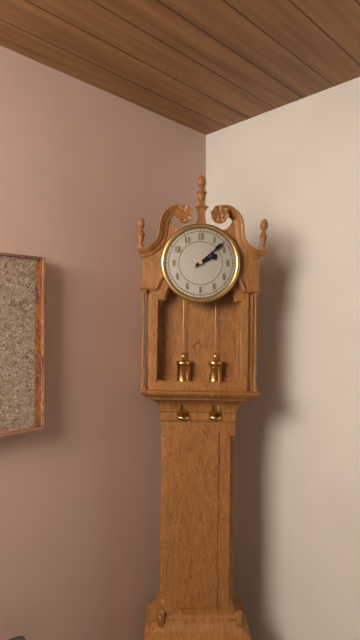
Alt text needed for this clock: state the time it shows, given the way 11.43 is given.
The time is 2.08
